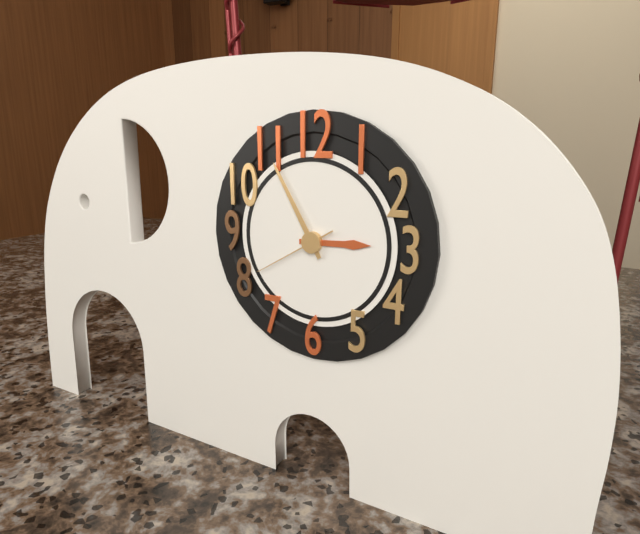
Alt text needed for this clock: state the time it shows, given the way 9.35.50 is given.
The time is 2.55.40
